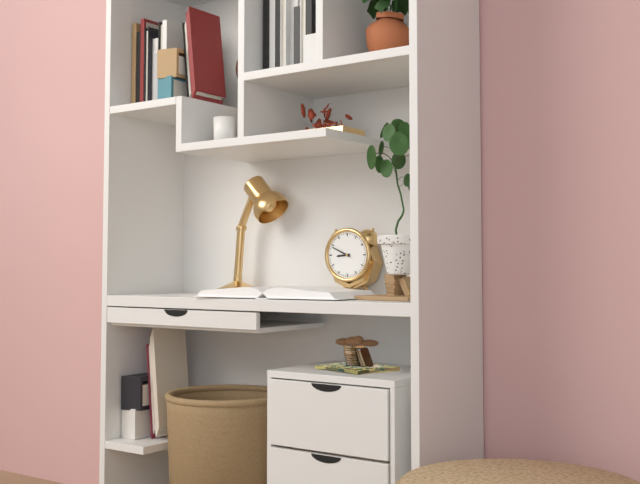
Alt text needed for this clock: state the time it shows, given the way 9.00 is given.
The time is 8.49
